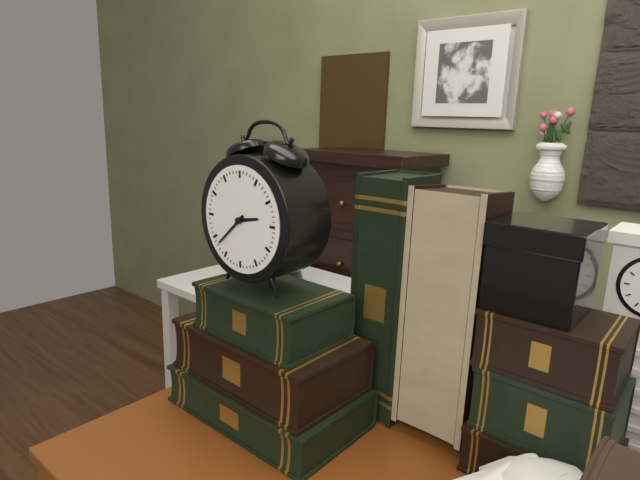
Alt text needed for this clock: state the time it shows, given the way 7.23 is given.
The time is 2.38
